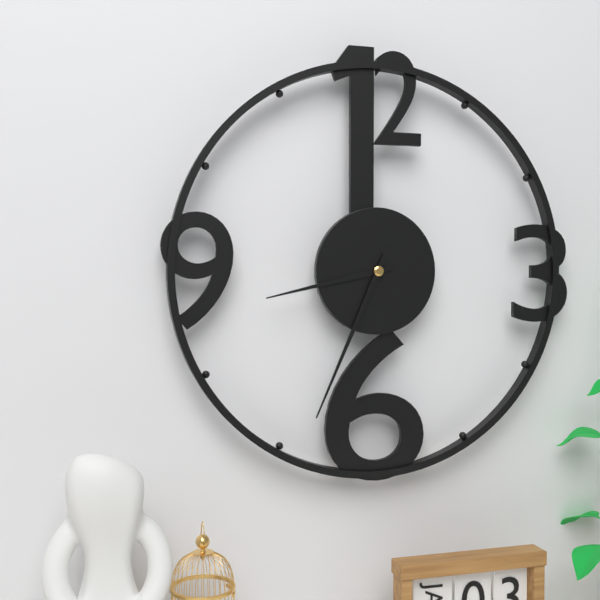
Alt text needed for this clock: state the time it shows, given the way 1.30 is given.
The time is 8.34
